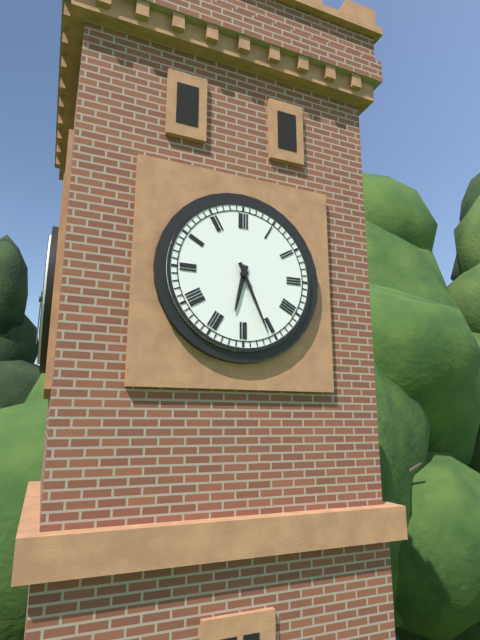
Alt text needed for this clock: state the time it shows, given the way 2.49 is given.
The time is 6.26
